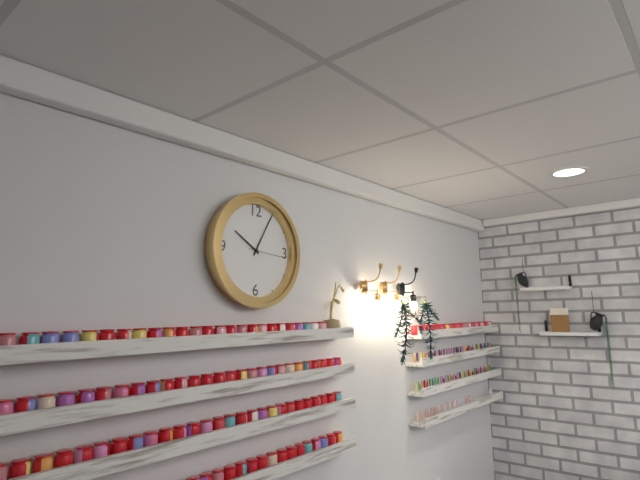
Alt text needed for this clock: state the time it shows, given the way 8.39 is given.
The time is 10.05
